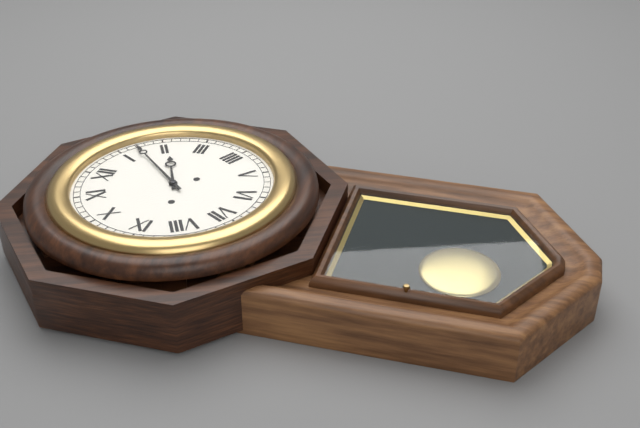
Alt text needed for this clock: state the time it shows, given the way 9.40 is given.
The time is 2.07
